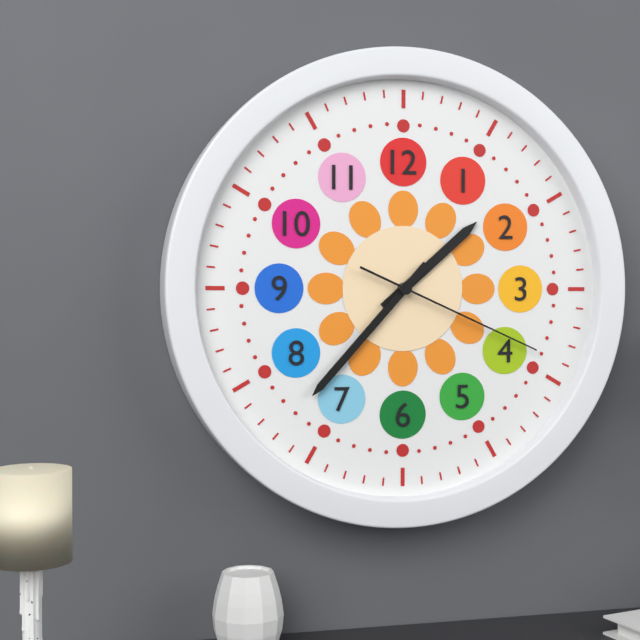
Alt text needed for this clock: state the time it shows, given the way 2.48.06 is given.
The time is 1.37.19
